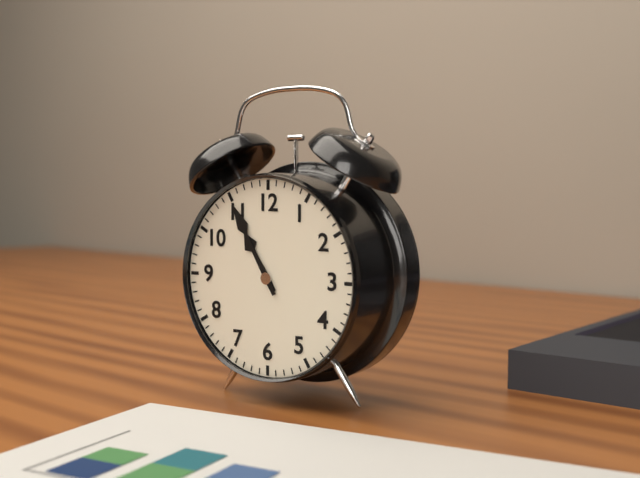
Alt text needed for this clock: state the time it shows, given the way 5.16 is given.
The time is 10.55
